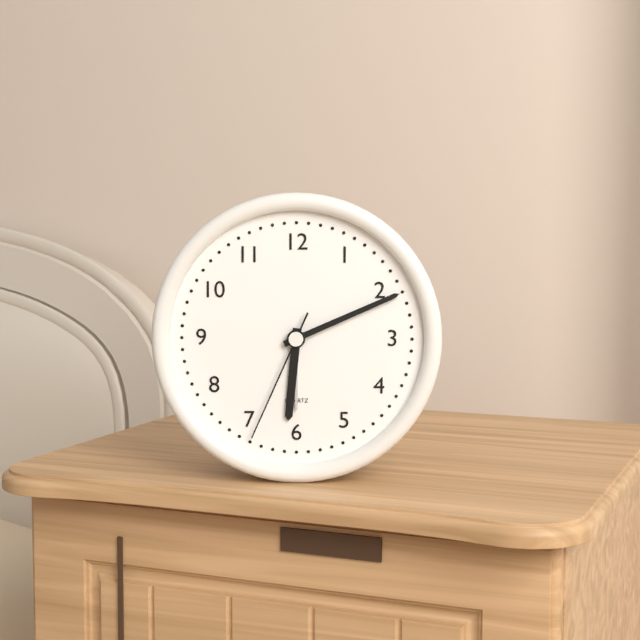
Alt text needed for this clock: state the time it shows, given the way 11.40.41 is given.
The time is 6.11.34
